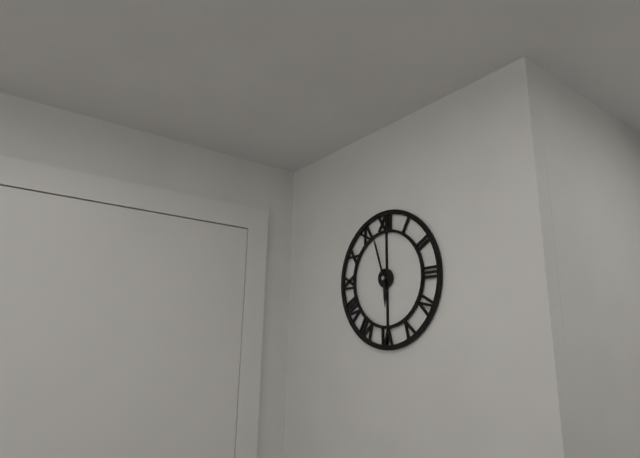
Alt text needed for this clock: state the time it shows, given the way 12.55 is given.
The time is 5.57
